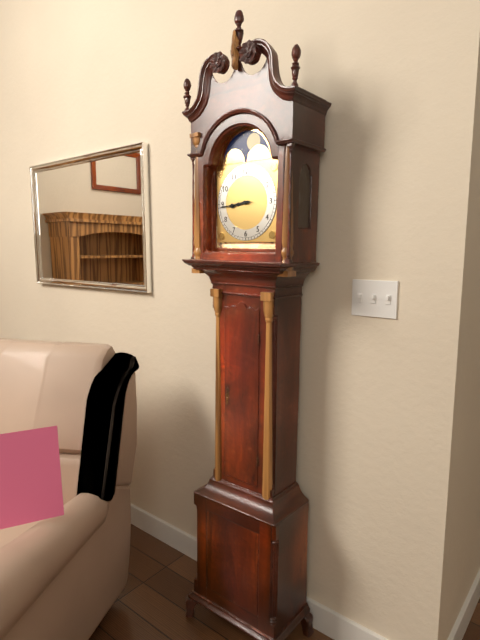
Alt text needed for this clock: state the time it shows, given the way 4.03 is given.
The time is 8.44
